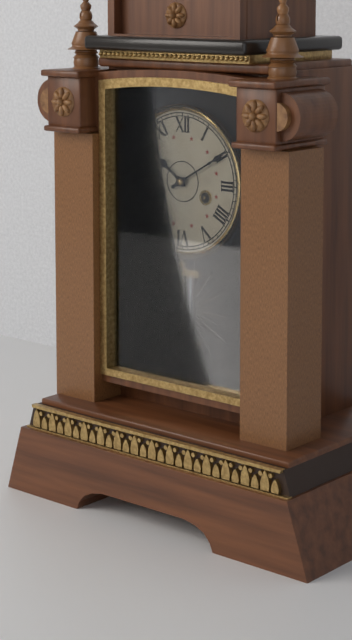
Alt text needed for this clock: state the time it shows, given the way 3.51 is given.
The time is 10.10
